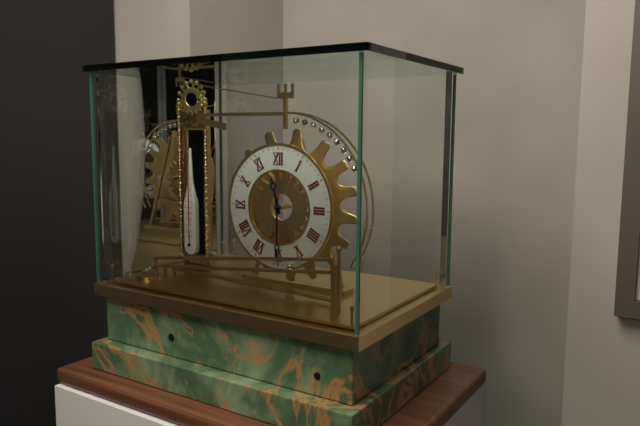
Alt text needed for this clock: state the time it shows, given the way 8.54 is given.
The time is 11.30
